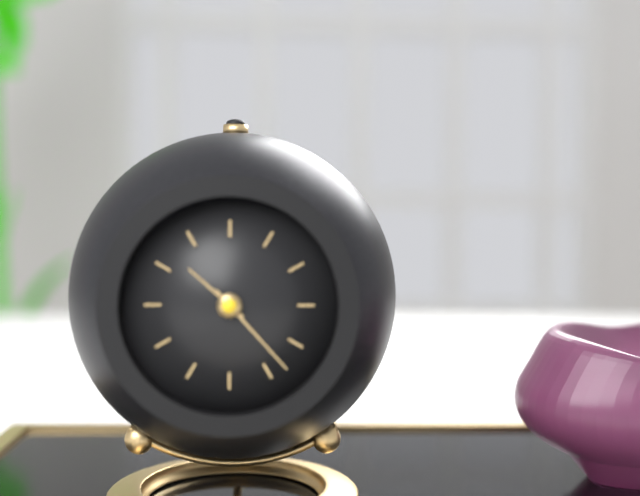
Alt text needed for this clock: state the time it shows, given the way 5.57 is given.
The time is 10.23
